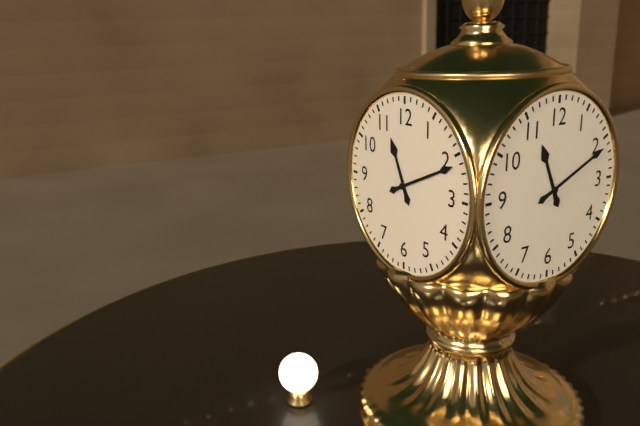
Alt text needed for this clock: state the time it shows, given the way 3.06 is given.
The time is 11.11
